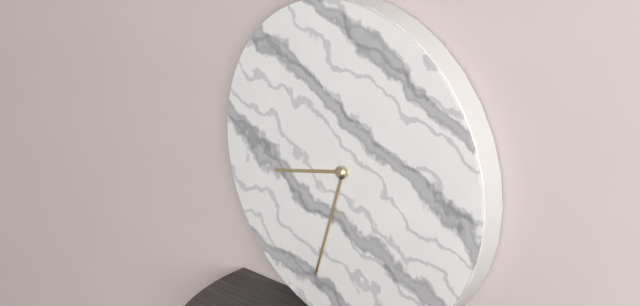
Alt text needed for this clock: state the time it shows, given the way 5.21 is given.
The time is 8.33
